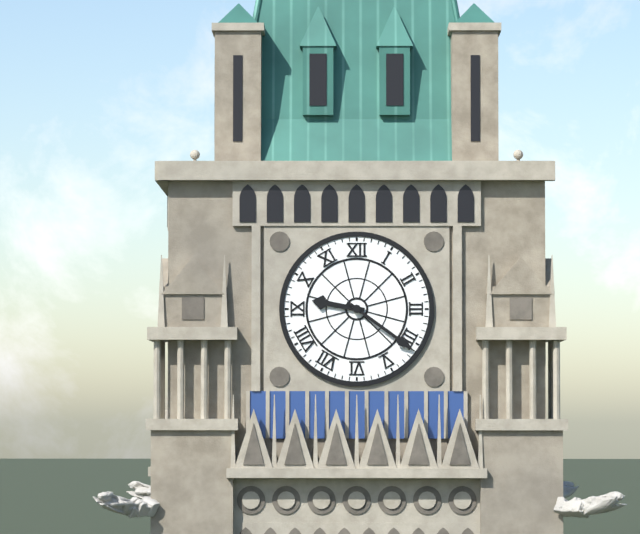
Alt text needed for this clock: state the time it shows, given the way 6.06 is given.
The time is 9.21
